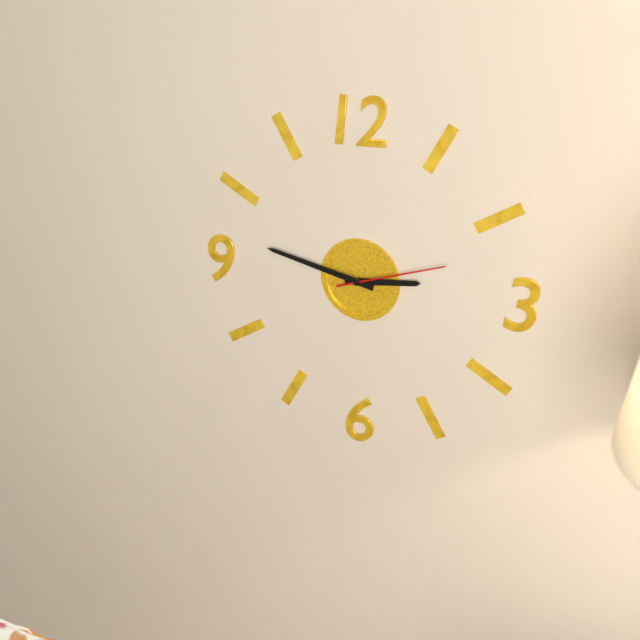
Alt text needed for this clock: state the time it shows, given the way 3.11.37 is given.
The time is 2.47.12
